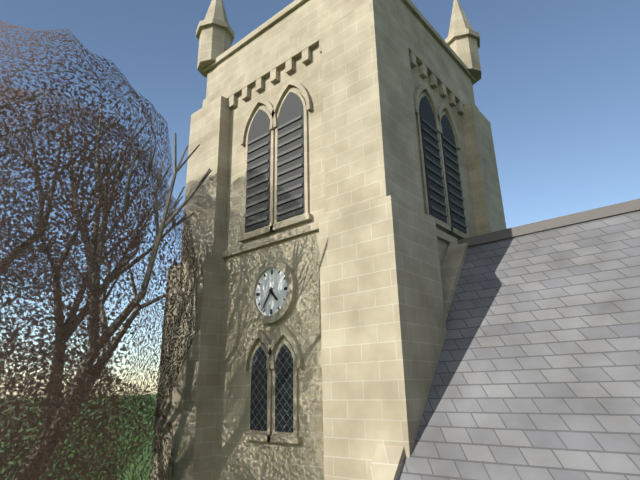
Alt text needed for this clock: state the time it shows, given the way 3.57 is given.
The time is 4.36
